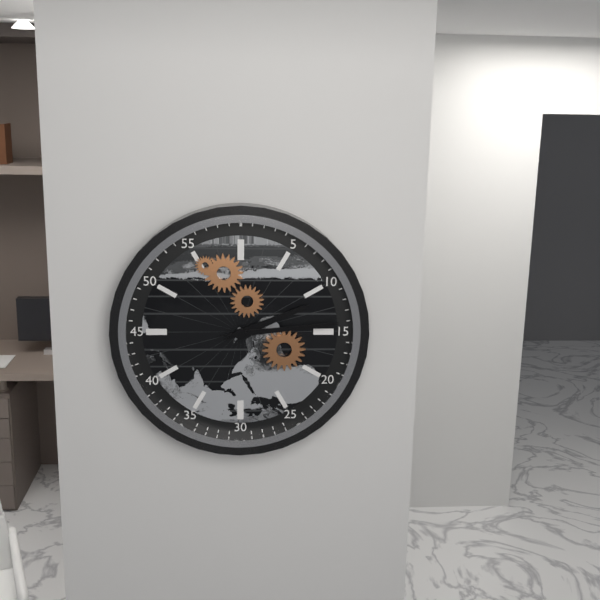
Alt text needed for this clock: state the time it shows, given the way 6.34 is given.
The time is 2.14
